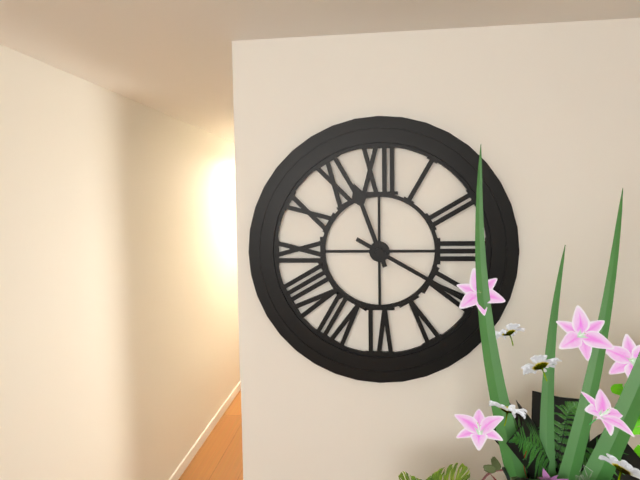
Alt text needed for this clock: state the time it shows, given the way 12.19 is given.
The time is 11.20
